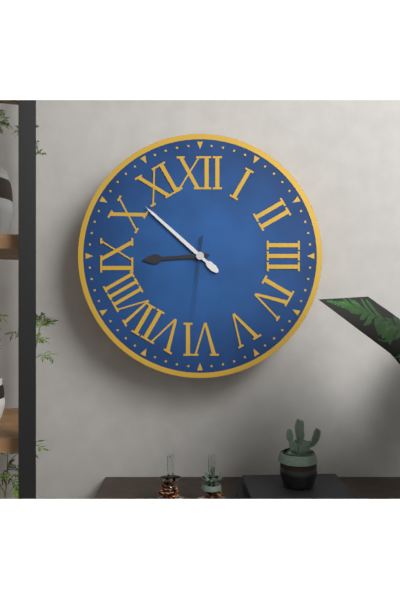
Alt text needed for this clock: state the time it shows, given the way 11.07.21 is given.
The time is 8.52.31
